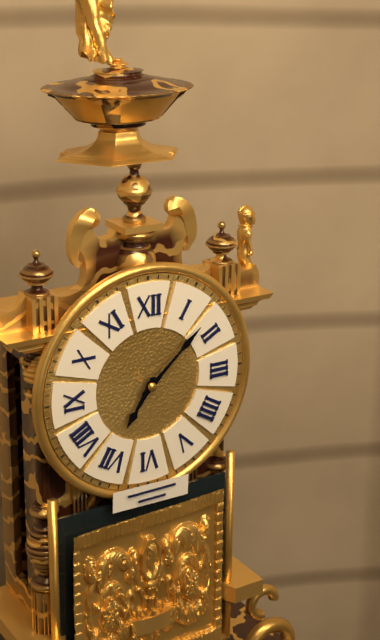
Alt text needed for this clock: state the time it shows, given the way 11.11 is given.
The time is 7.08
